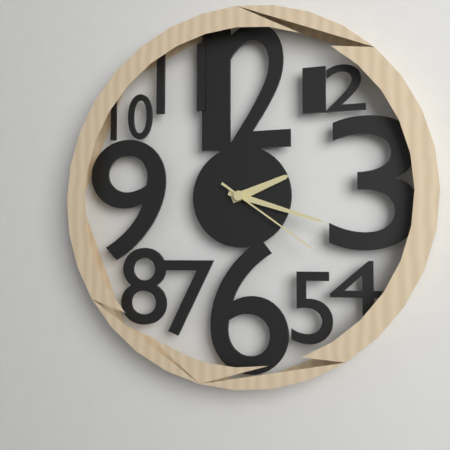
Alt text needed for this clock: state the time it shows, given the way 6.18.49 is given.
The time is 2.18.21
